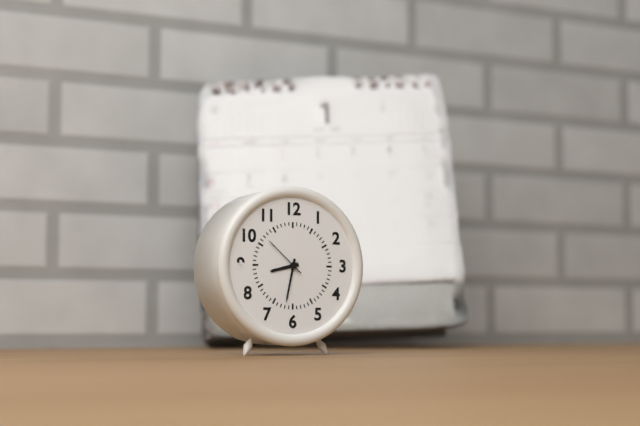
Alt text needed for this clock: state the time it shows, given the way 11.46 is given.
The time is 8.32
